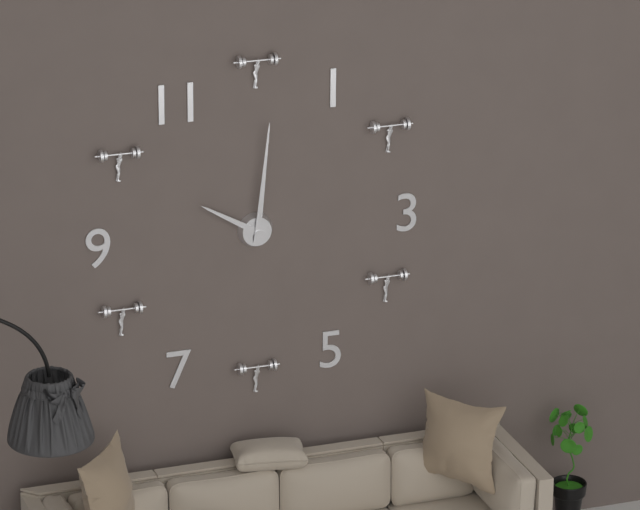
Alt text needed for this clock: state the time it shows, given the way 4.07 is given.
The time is 10.01
